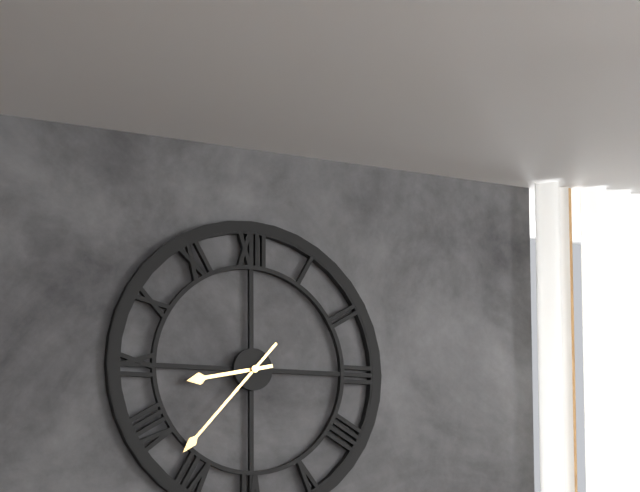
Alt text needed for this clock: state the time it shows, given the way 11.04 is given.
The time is 8.37
